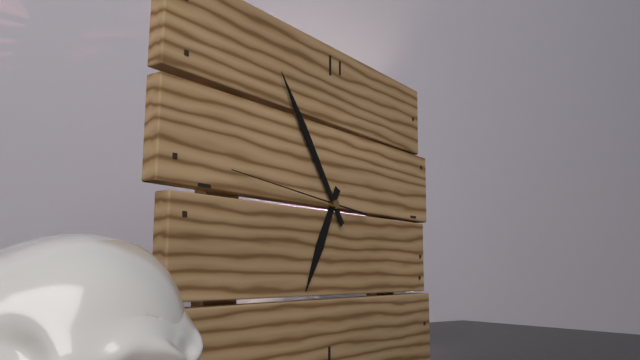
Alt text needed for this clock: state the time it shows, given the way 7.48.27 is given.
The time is 6.54.46
